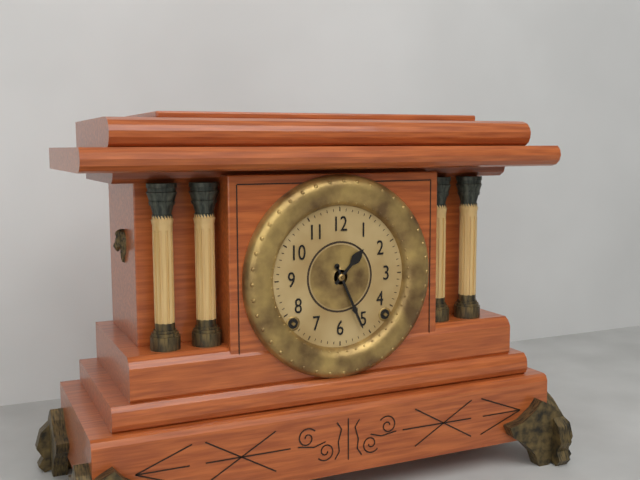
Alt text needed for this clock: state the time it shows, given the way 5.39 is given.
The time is 1.26
